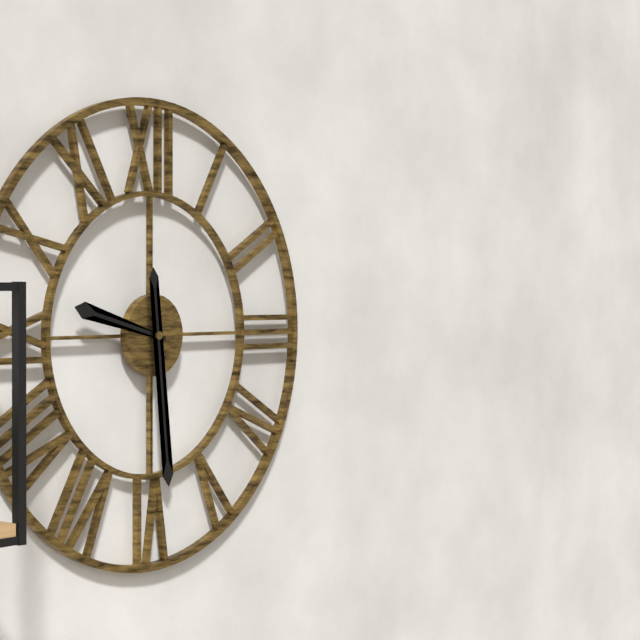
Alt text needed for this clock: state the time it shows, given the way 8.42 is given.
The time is 9.29
